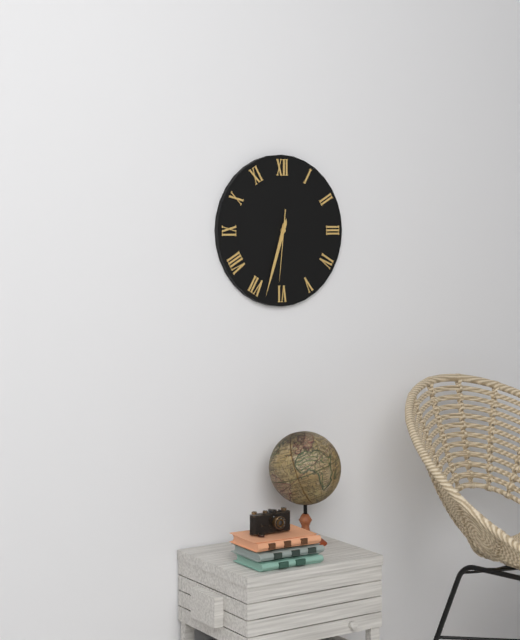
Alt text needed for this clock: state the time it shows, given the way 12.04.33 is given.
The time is 6.33.31
